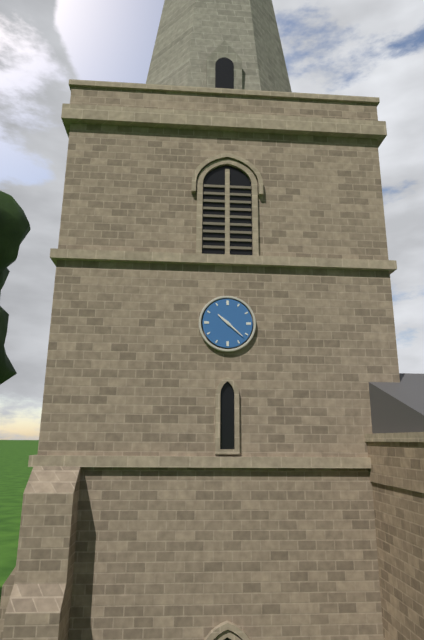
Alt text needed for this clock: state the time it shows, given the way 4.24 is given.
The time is 10.22
